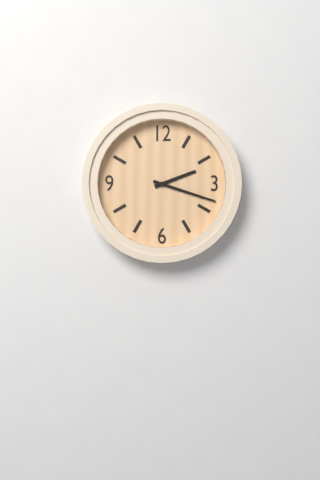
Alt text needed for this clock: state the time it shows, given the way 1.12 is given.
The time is 2.18
